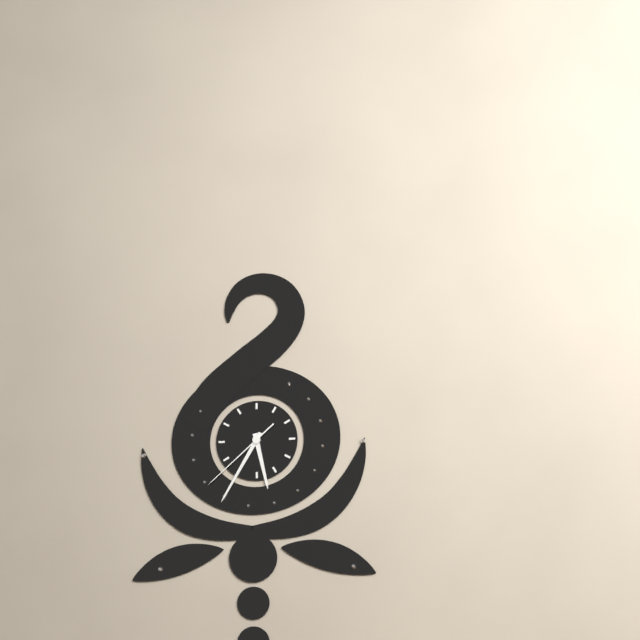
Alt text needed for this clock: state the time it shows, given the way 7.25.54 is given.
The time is 5.35.38
